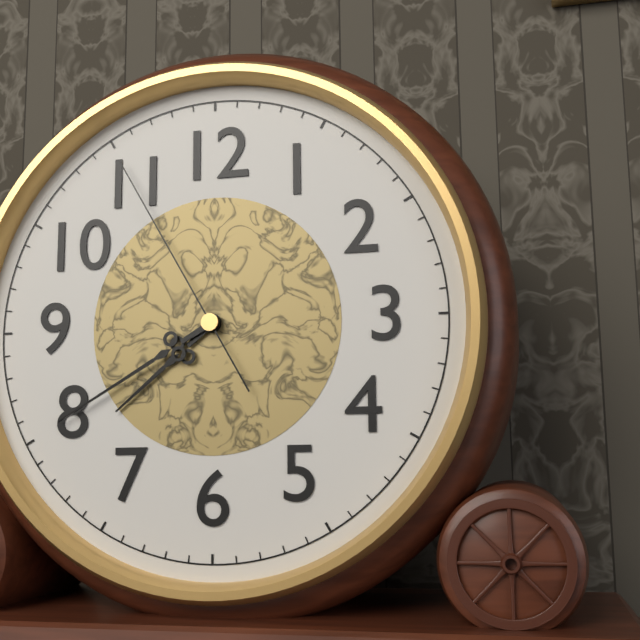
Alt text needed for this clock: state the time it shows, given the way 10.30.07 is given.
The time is 7.40.55
